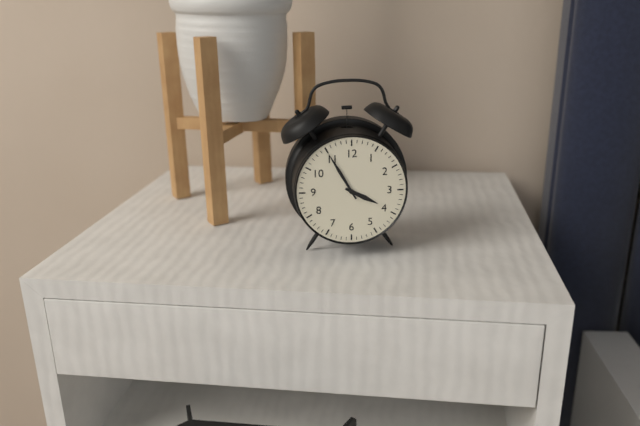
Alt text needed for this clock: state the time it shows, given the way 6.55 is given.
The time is 3.55
